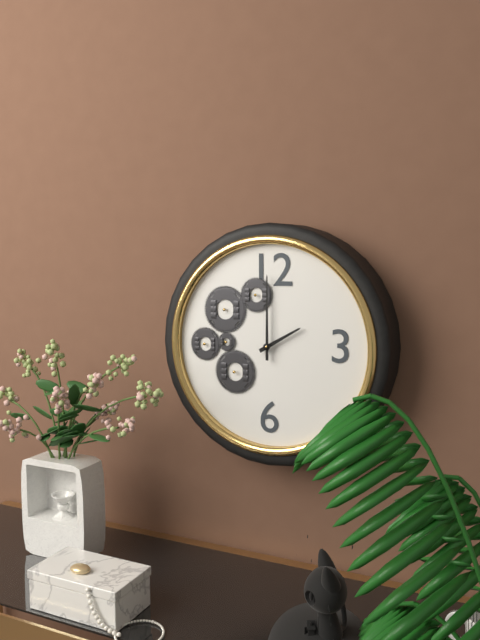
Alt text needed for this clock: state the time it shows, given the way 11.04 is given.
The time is 2.00
